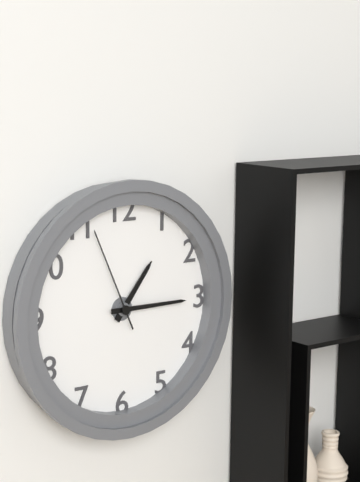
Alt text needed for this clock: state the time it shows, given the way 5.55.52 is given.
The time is 1.15.56
